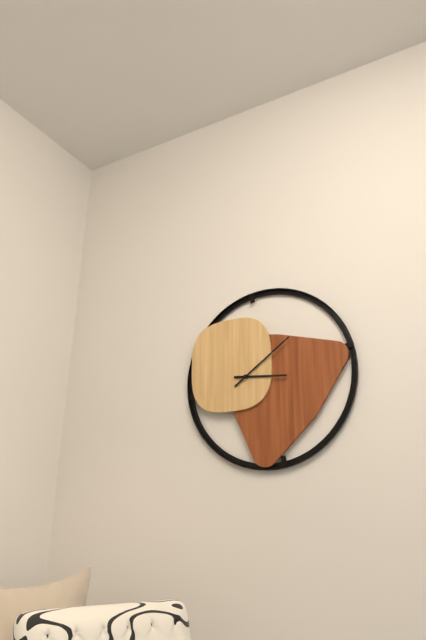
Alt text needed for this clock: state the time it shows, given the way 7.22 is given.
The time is 3.09
